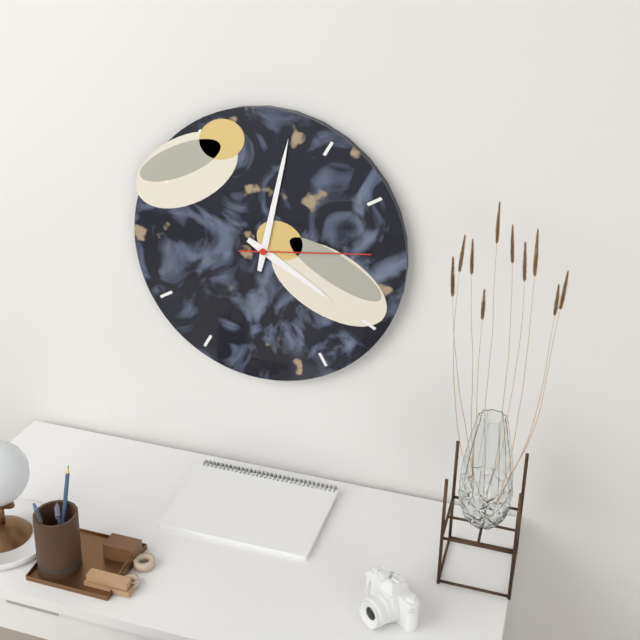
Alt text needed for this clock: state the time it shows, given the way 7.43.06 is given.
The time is 4.02.14
